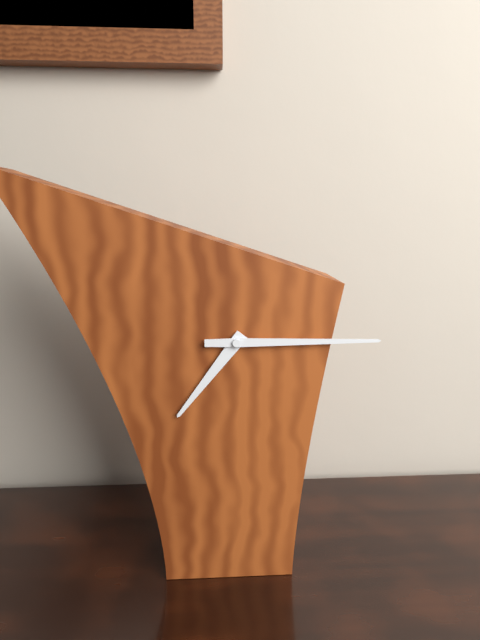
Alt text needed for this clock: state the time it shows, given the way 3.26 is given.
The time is 7.15
